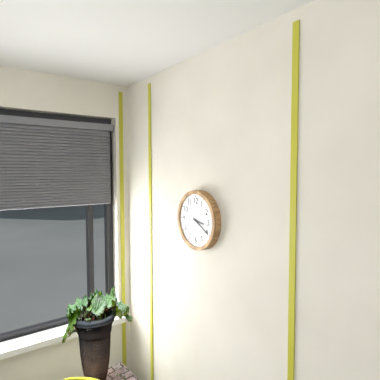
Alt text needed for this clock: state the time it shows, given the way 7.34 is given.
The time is 3.20
